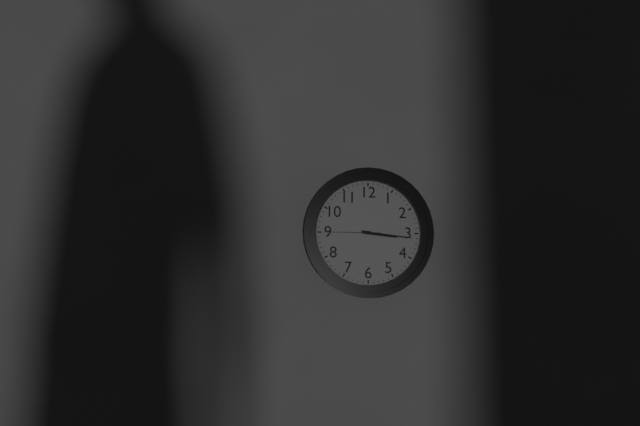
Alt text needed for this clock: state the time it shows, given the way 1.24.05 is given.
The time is 3.16.45
